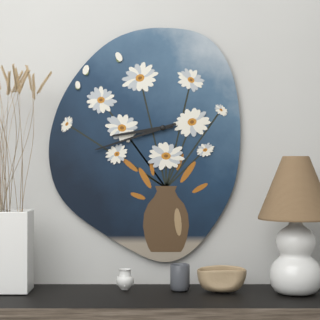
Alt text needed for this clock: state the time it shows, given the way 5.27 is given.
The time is 8.42
